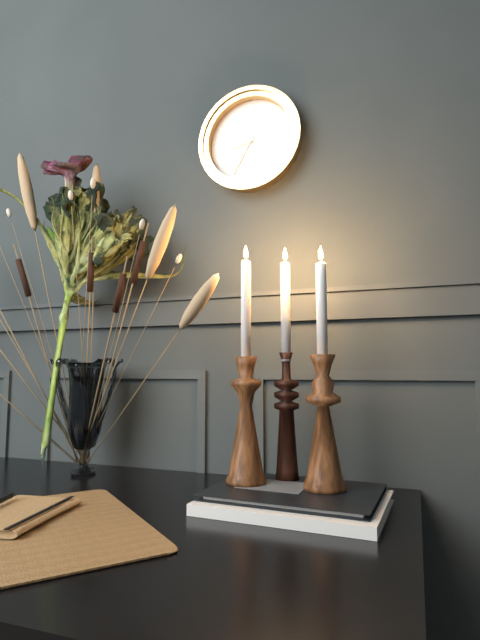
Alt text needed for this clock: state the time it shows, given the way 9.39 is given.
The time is 8.35
